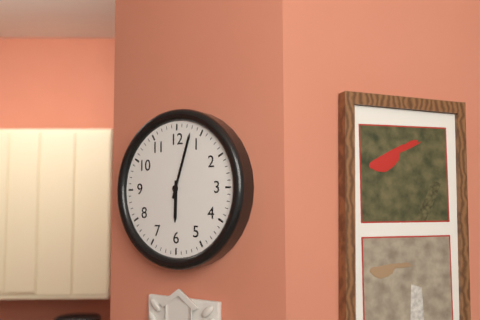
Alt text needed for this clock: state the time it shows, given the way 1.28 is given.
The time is 6.03
